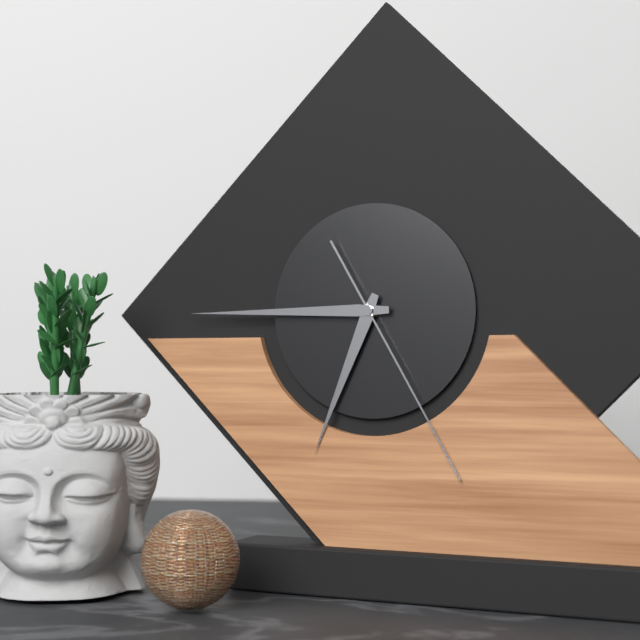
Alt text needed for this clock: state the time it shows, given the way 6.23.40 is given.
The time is 6.45.25
